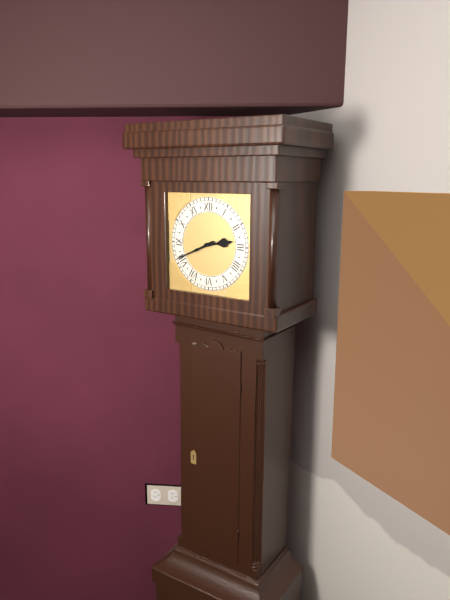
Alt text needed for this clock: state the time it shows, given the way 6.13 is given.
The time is 2.41
